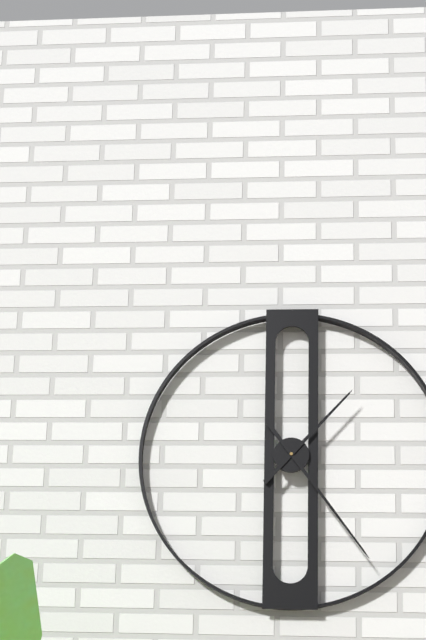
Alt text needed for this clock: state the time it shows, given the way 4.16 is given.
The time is 1.24
